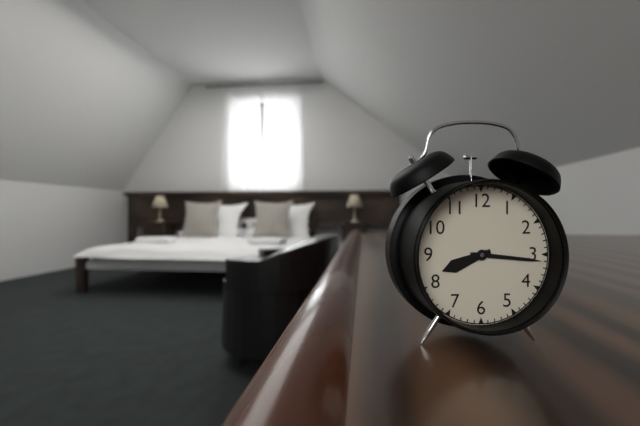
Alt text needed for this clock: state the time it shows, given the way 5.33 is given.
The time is 8.16
